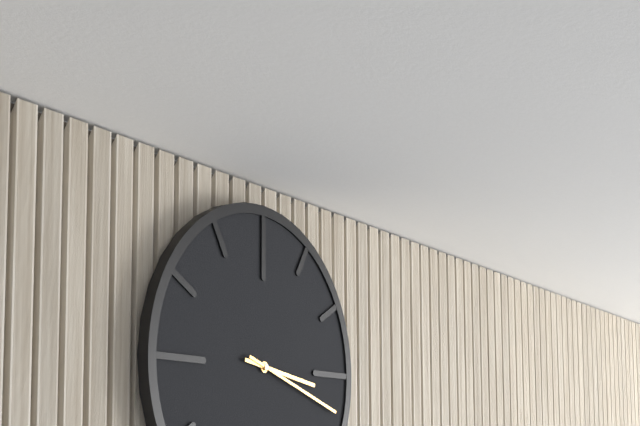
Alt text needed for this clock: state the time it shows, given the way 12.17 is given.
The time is 3.18
